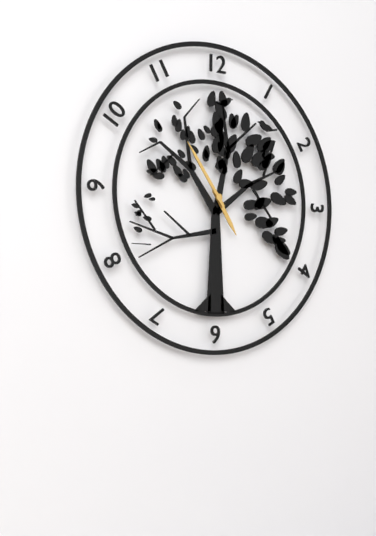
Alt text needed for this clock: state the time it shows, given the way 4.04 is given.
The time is 4.54
